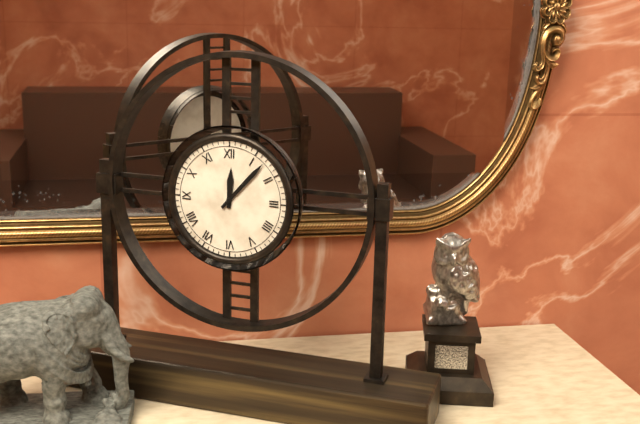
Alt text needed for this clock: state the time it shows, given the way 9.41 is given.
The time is 12.07
